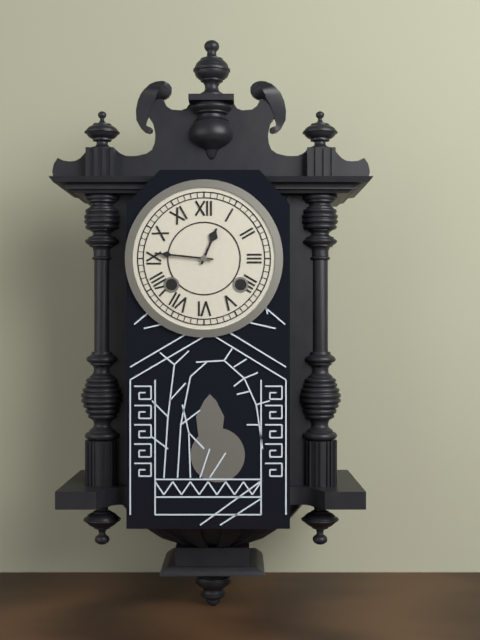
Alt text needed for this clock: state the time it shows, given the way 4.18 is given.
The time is 12.46
